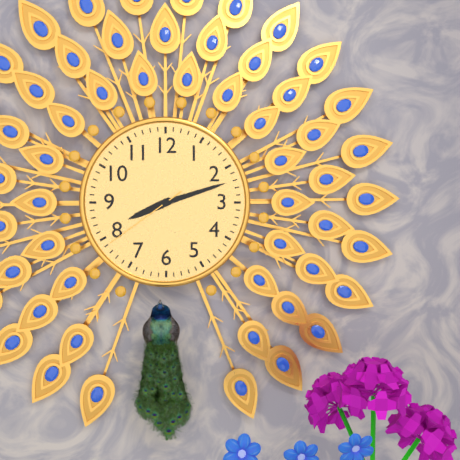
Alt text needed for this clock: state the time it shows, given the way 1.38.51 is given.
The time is 8.12.39
